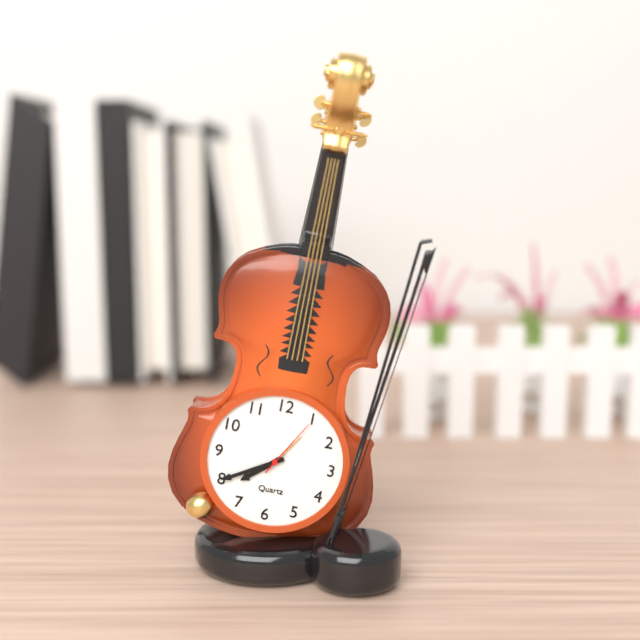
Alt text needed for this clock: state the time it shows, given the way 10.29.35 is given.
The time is 7.40.05
